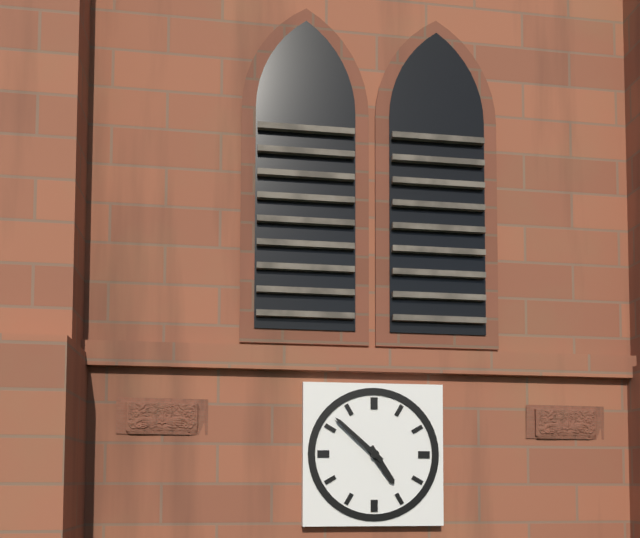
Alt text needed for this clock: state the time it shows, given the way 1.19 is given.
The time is 4.52
